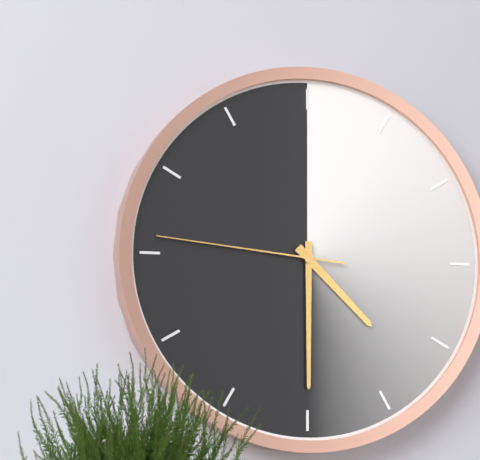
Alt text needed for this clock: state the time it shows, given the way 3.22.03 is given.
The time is 4.30.46
